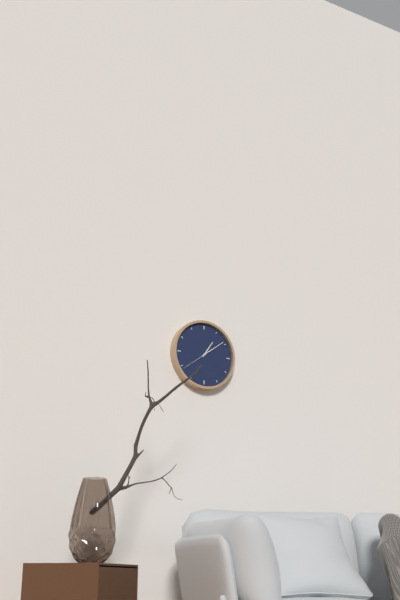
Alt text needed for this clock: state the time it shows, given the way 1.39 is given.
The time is 1.09
